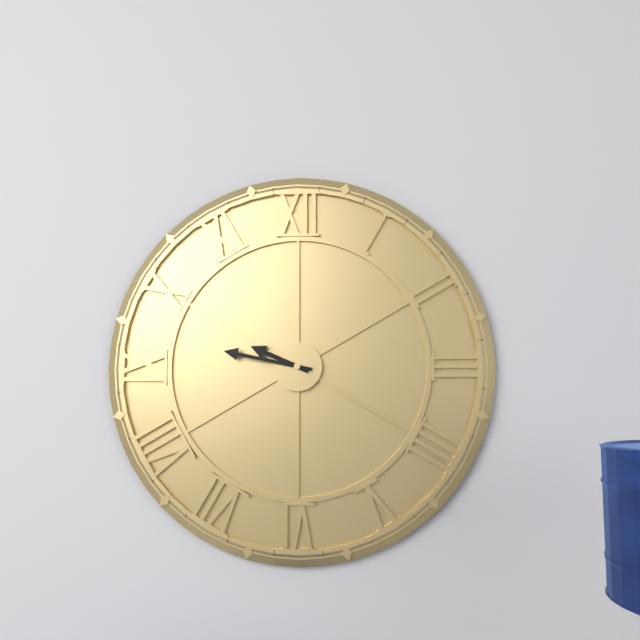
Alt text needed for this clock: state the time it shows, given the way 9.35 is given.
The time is 9.47
